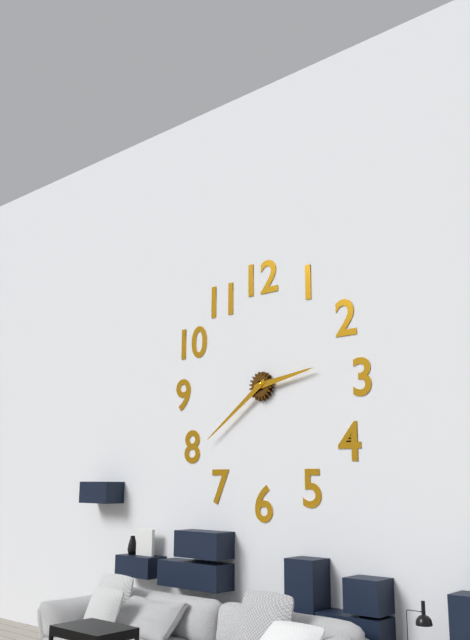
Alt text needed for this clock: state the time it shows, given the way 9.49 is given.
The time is 2.39
